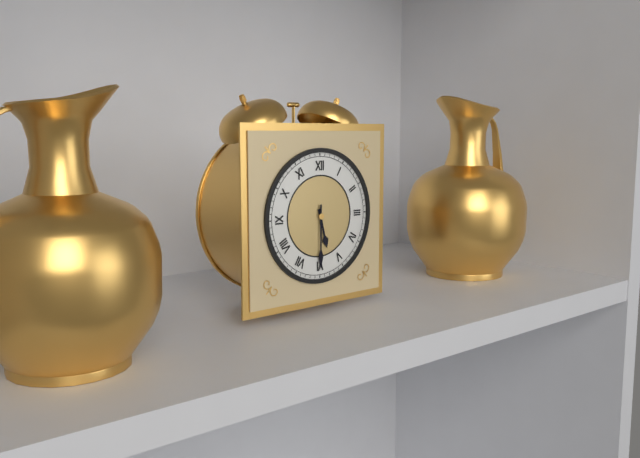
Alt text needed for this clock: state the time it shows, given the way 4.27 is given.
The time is 5.30
